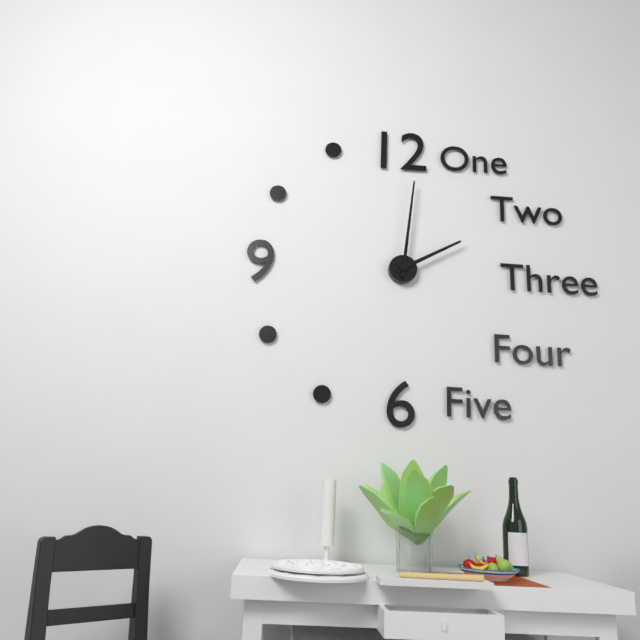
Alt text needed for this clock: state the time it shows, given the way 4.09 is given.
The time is 2.01
